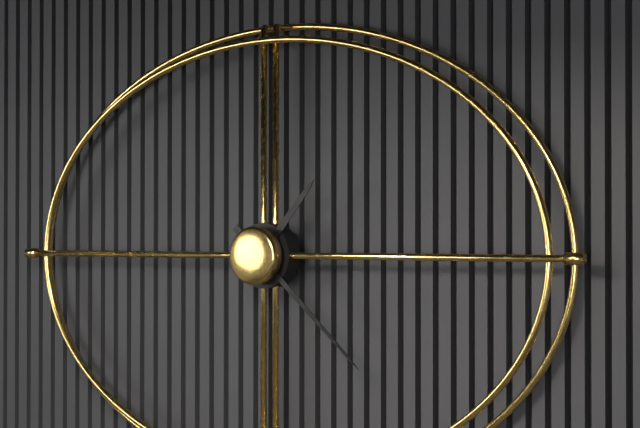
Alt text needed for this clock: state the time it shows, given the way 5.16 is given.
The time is 1.22
